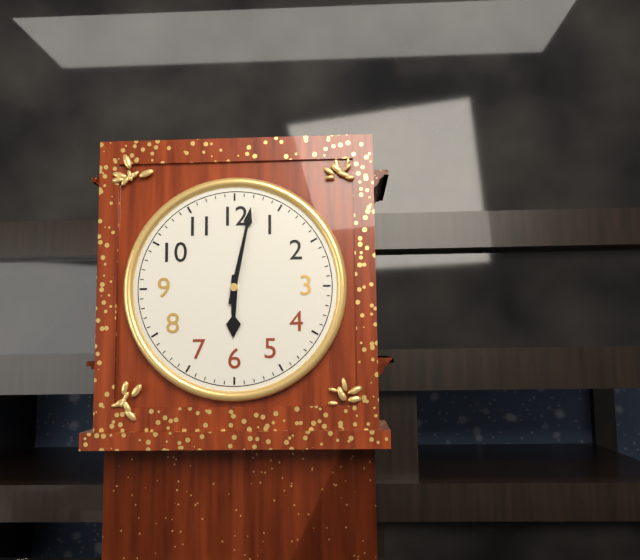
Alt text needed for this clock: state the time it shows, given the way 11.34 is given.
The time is 6.02
